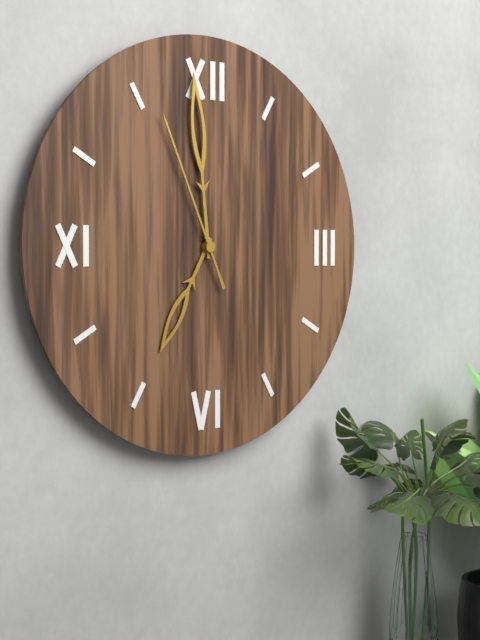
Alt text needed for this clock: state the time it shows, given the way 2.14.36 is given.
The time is 6.59.56
